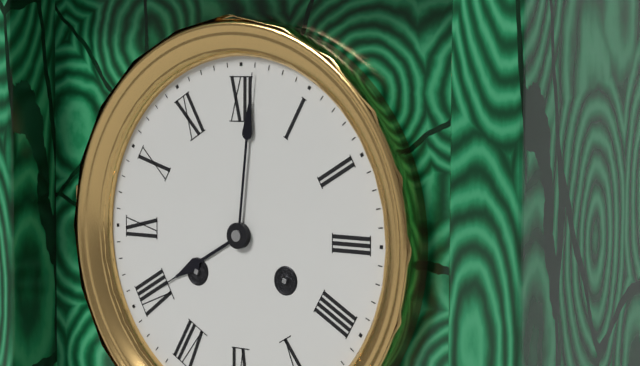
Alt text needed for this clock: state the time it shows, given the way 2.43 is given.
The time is 8.01
